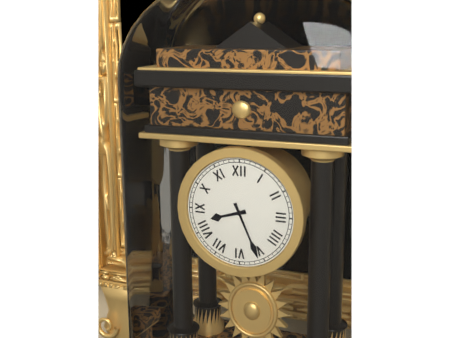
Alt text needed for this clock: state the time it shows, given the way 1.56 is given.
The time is 8.26
